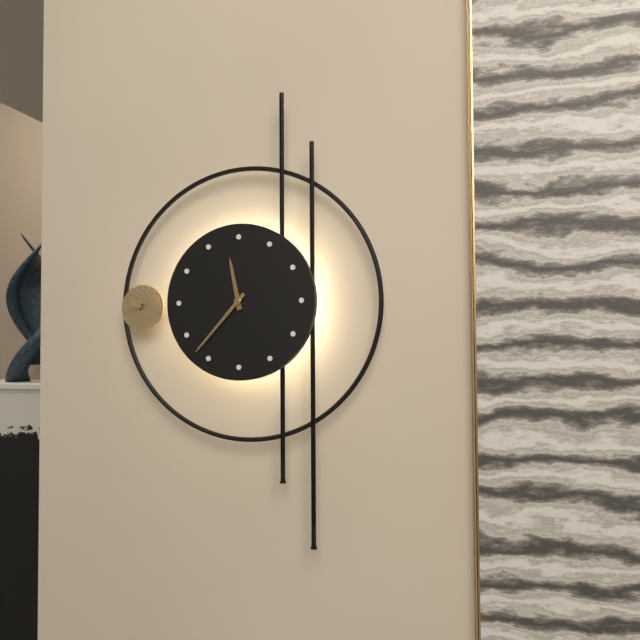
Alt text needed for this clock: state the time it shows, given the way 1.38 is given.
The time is 11.37
